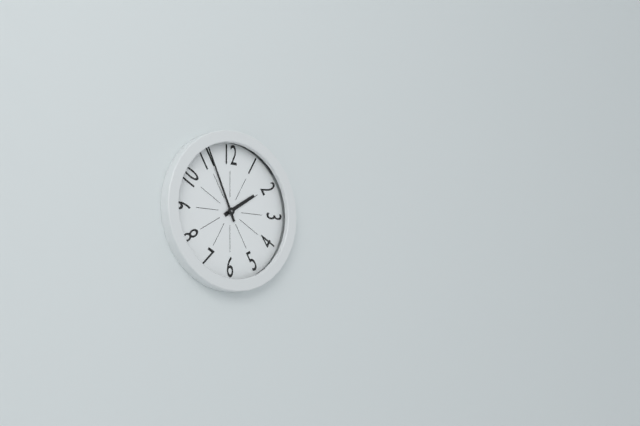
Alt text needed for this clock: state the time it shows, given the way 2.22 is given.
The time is 1.56
